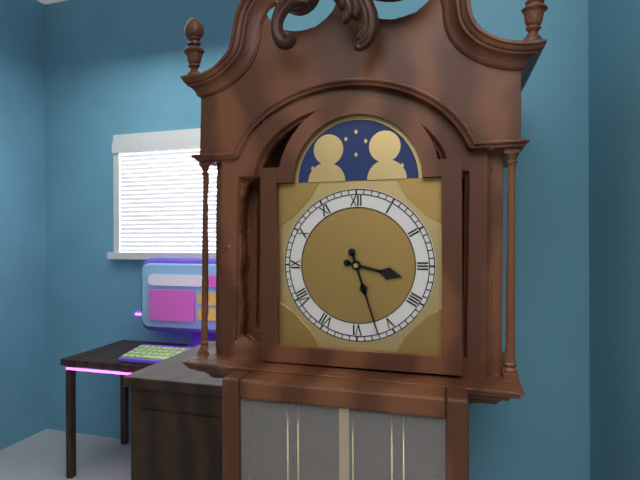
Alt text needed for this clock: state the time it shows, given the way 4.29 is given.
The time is 3.27
